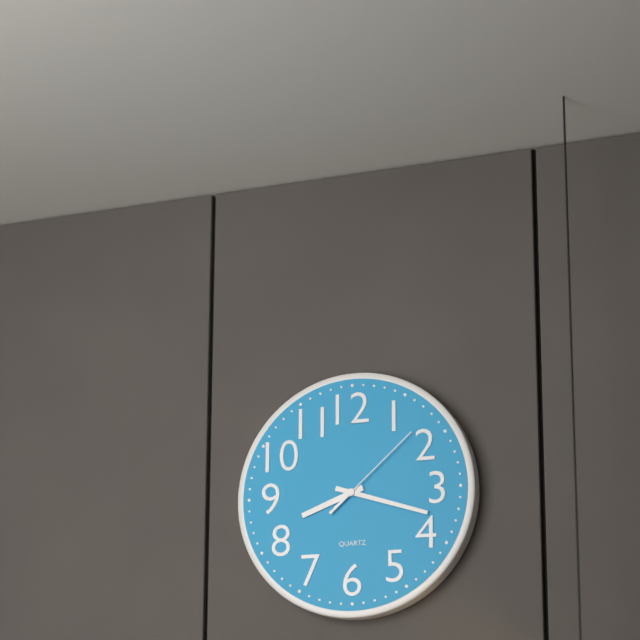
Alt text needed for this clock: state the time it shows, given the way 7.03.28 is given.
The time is 8.18.08
